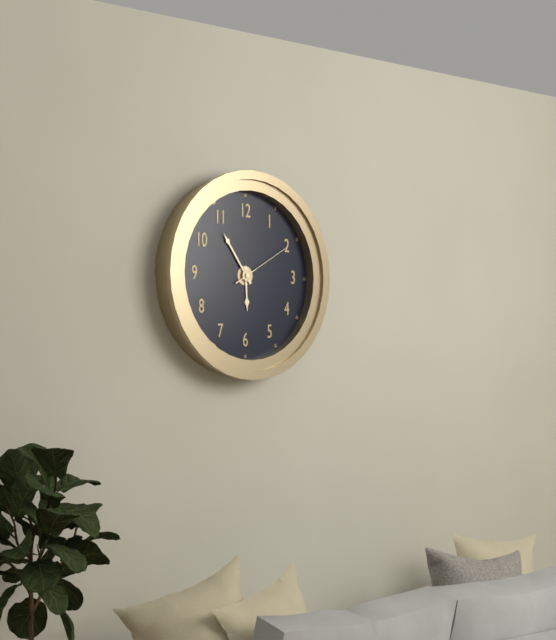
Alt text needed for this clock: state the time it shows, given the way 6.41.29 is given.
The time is 5.54.10
